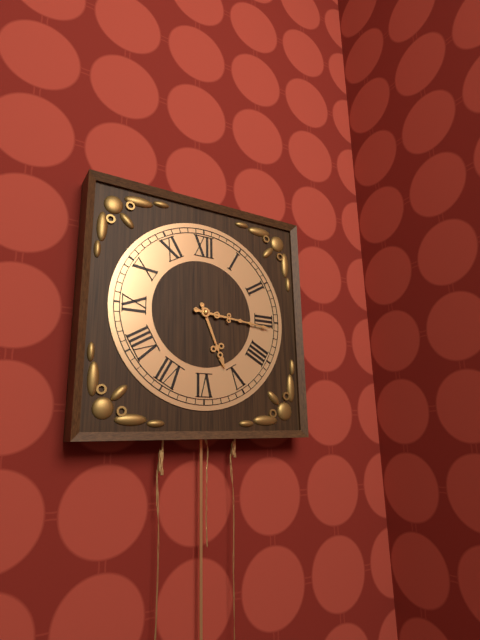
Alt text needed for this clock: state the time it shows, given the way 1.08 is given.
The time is 5.16
